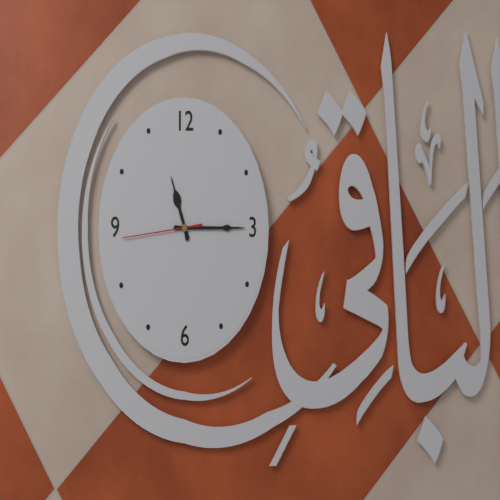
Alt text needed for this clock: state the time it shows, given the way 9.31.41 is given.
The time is 11.15.44
